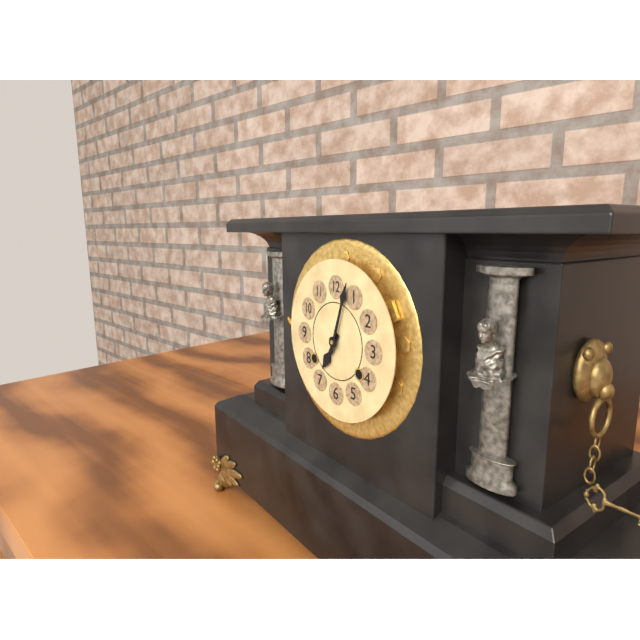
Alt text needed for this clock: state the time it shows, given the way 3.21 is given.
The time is 7.03
